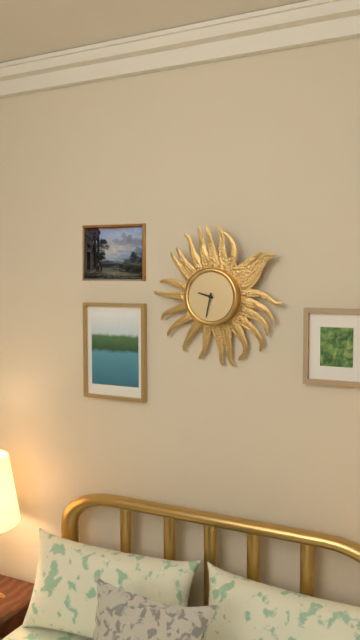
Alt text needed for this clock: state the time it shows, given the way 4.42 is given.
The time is 9.32
